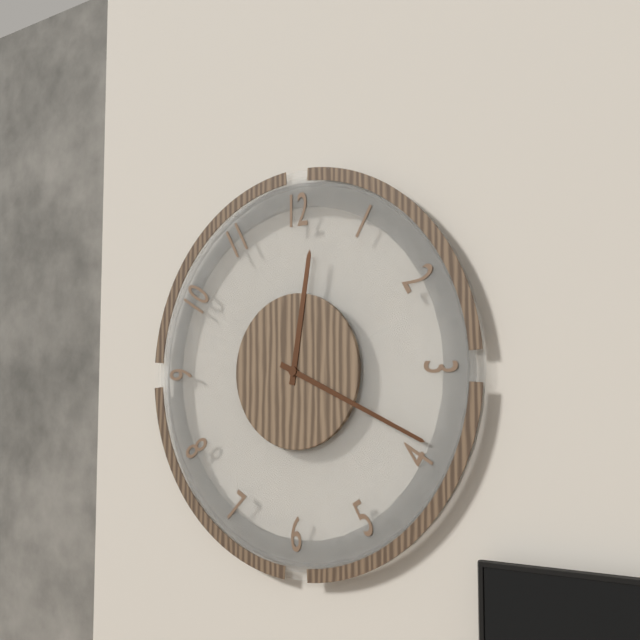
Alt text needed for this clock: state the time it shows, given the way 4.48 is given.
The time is 12.19
